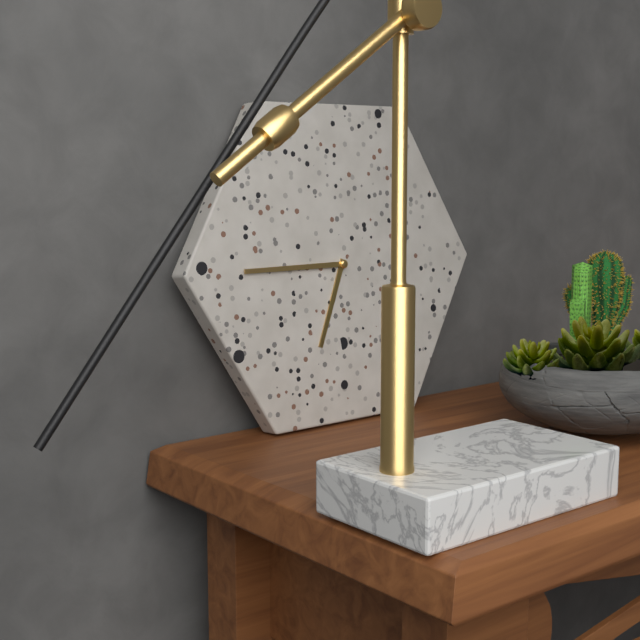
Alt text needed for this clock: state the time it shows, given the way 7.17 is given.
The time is 6.45
